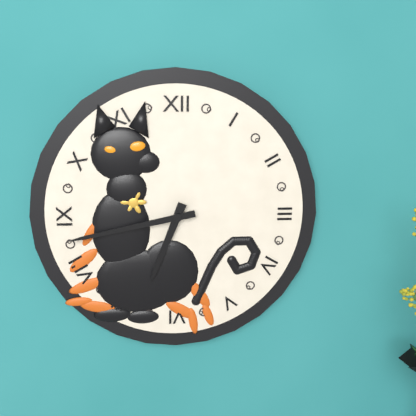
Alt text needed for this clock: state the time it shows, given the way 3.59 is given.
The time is 6.43
